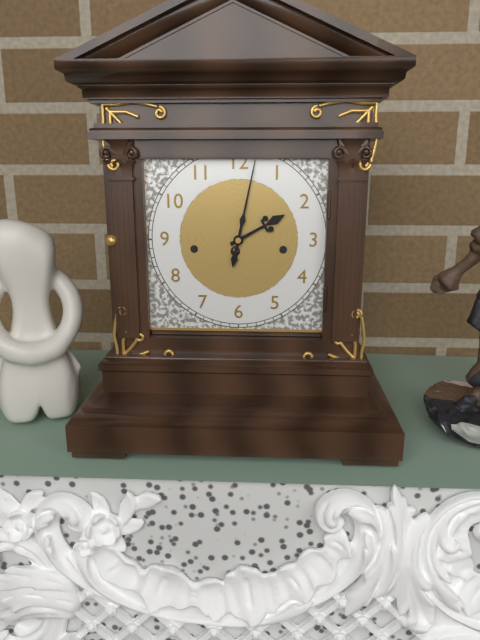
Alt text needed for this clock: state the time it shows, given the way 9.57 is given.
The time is 2.02
